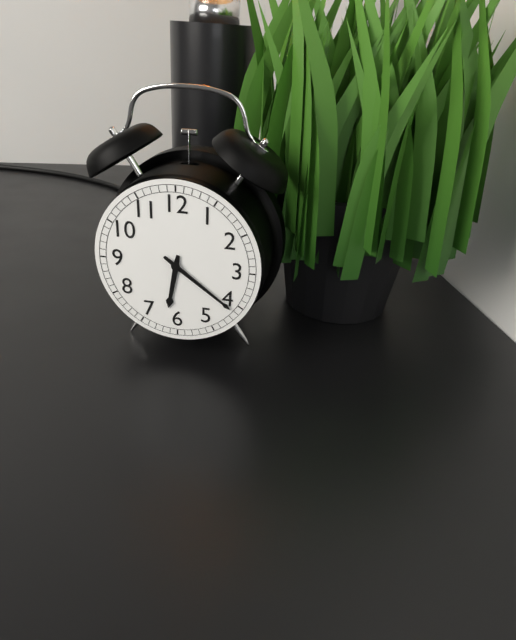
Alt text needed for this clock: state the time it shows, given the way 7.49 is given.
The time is 6.21
